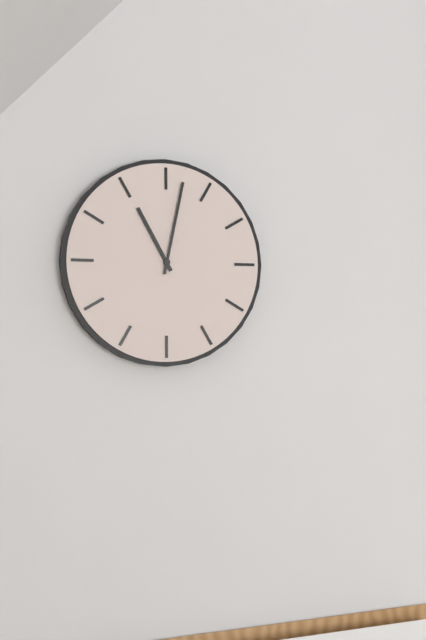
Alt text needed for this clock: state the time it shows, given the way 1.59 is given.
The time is 11.02
